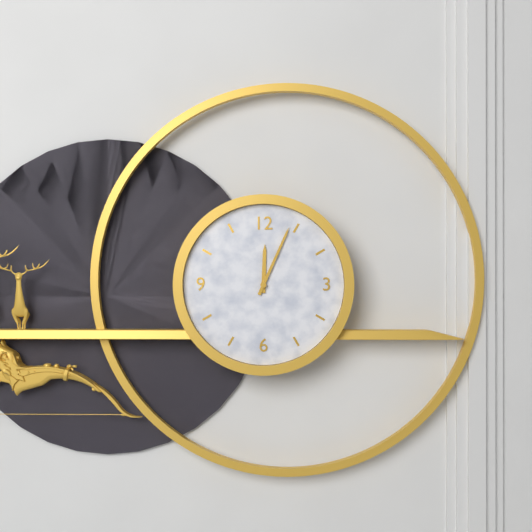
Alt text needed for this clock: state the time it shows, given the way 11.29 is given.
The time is 12.04
